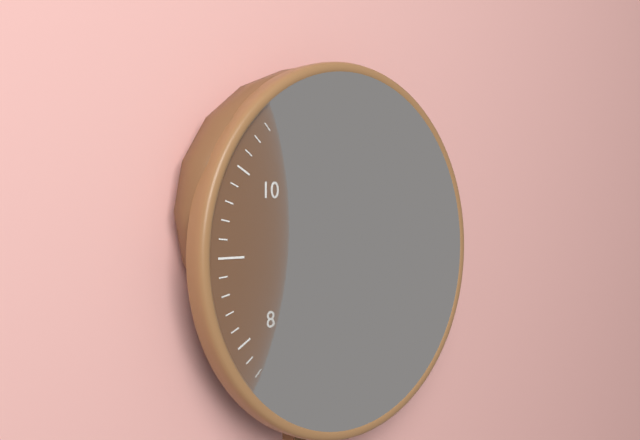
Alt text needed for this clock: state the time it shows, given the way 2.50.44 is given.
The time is 11.33.13
